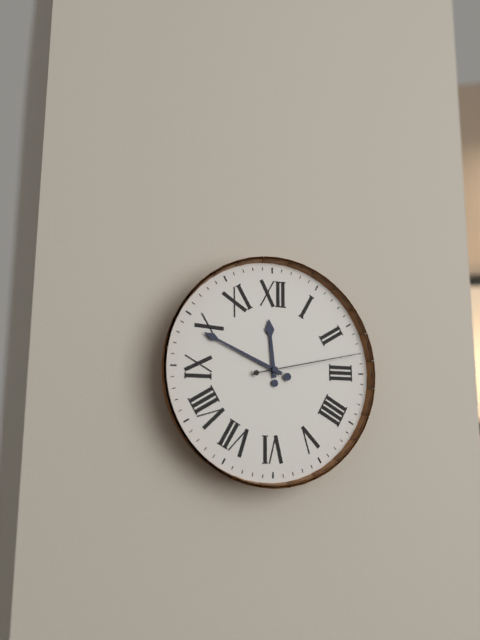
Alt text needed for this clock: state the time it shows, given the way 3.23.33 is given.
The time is 11.49.13
